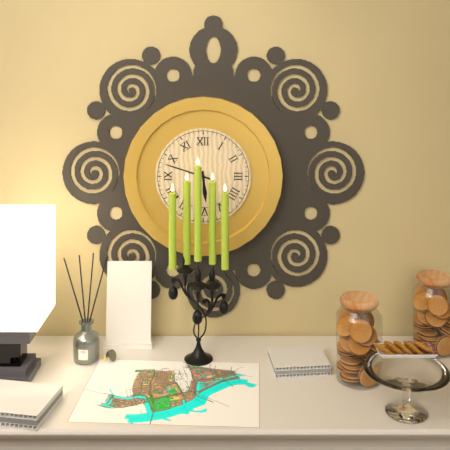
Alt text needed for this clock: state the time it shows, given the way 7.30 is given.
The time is 5.48
